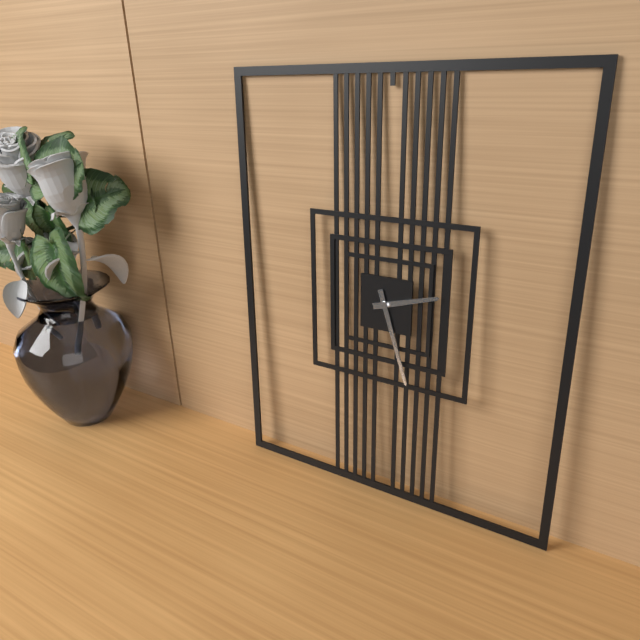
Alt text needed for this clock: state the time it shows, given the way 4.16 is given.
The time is 2.27
